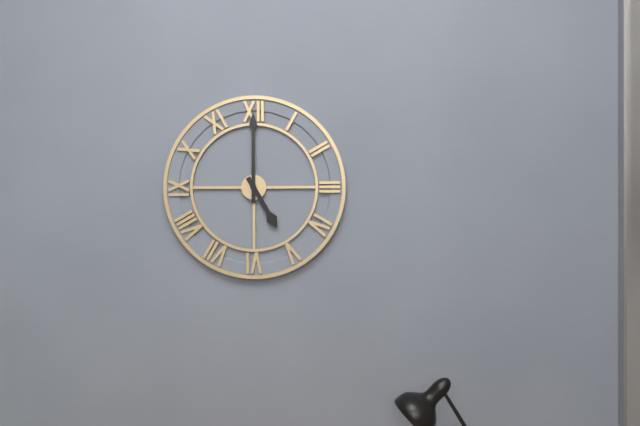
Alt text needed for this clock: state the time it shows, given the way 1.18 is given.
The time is 5.00
